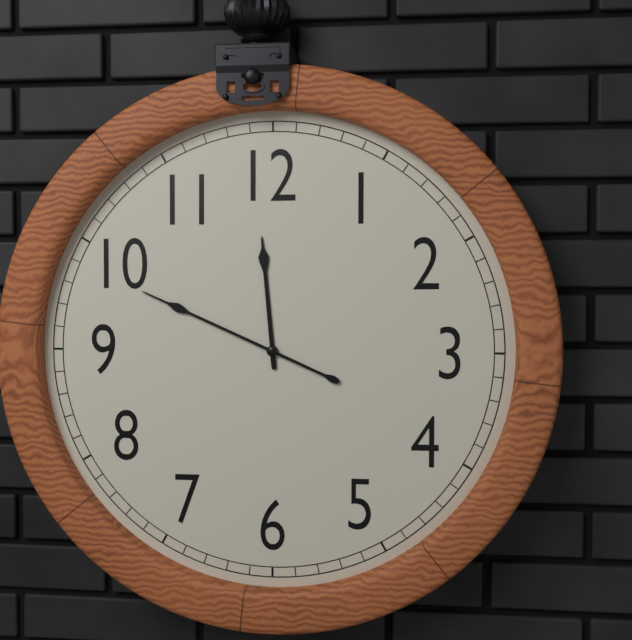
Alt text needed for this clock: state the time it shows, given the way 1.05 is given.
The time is 11.49
